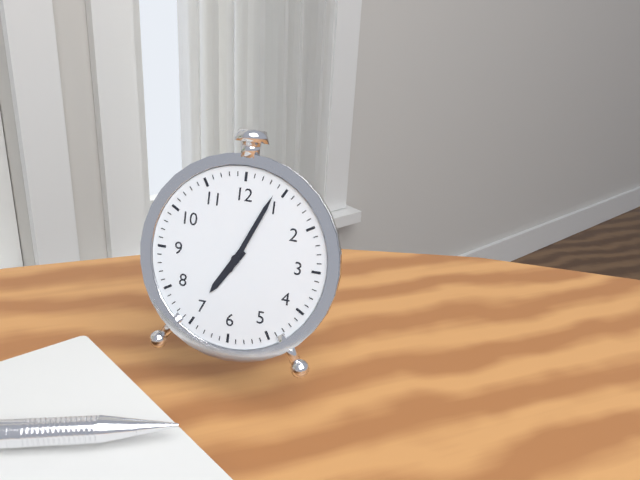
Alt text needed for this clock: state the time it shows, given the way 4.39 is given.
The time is 7.04
